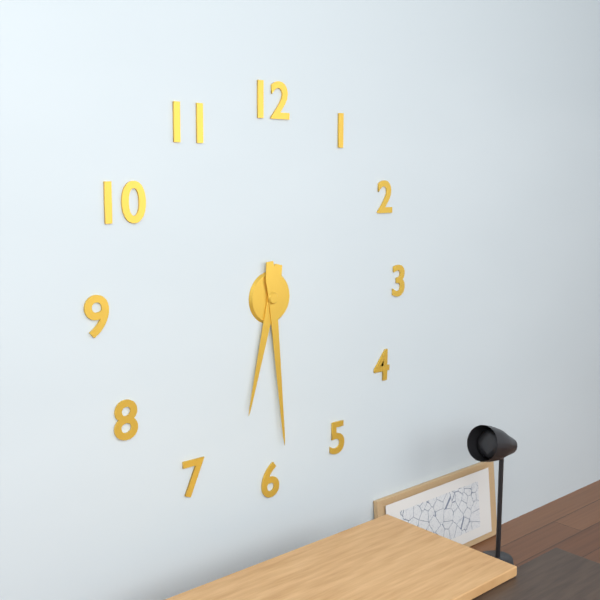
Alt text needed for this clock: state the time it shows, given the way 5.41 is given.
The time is 6.29
